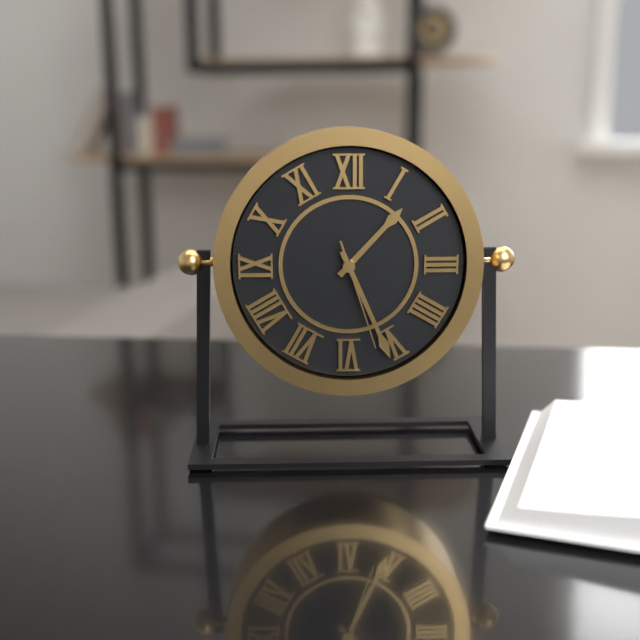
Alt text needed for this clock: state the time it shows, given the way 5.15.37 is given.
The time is 1.26.27
